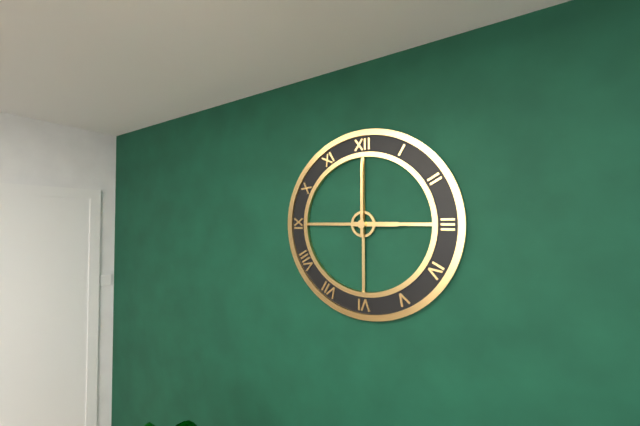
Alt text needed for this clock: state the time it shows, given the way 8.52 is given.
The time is 3.00
